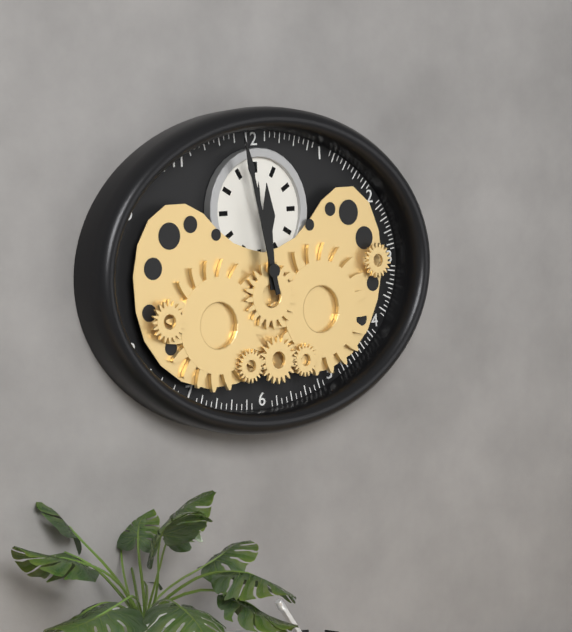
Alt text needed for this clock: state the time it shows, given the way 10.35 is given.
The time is 11.58
